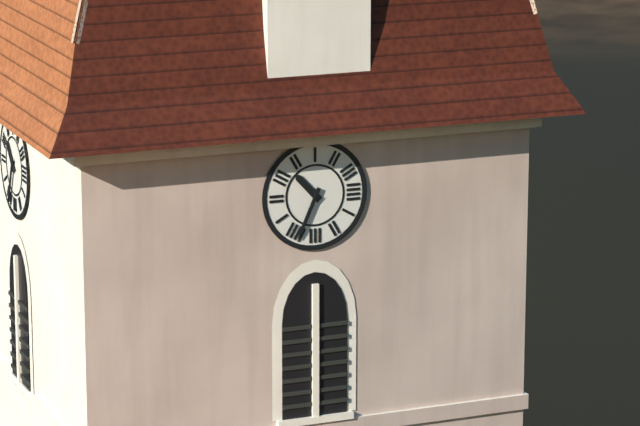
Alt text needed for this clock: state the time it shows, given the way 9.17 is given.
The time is 10.34
